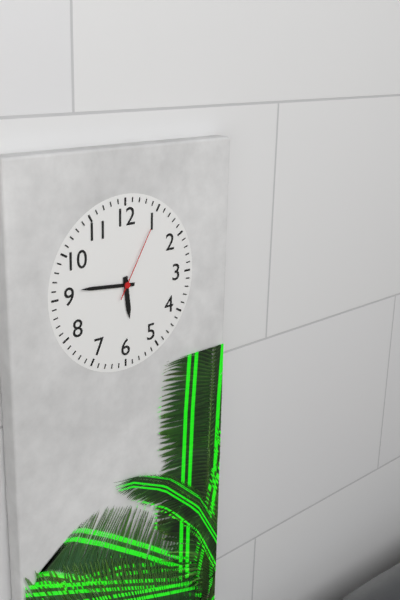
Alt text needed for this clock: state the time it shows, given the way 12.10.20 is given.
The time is 5.46.05
